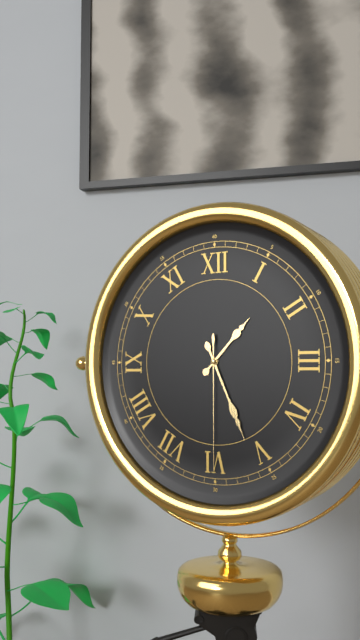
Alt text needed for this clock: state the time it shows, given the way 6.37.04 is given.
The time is 1.26.30
